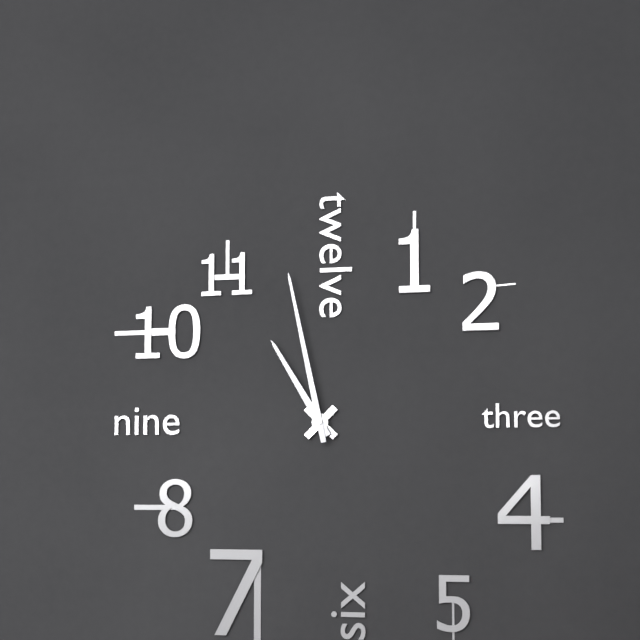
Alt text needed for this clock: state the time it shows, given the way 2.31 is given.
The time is 10.58
